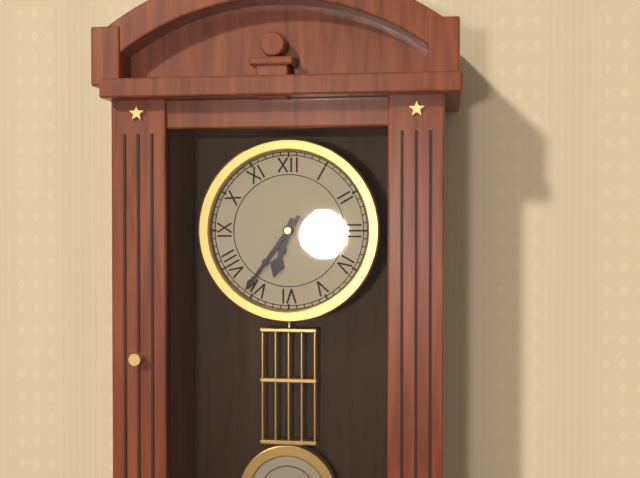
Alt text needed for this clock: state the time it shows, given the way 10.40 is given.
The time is 6.36
